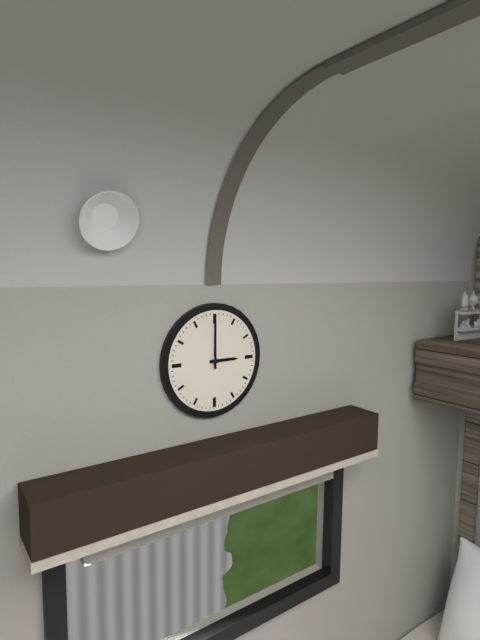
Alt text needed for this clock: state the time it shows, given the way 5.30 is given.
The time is 3.00
